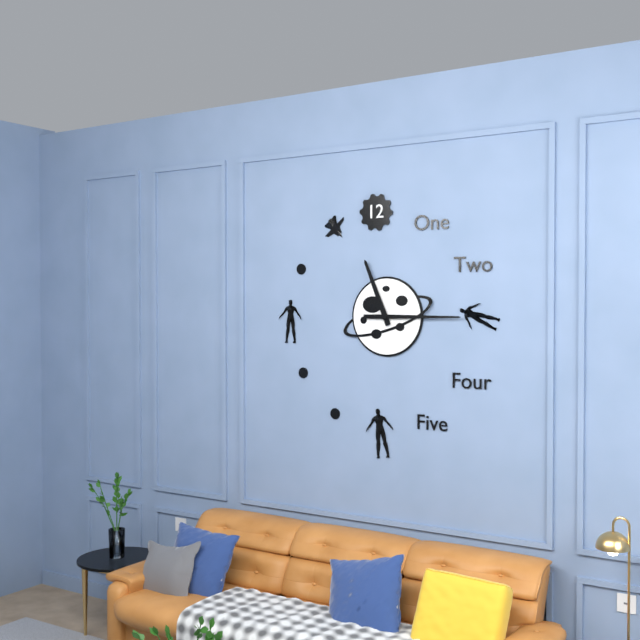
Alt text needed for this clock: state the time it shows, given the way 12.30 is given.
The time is 11.15
